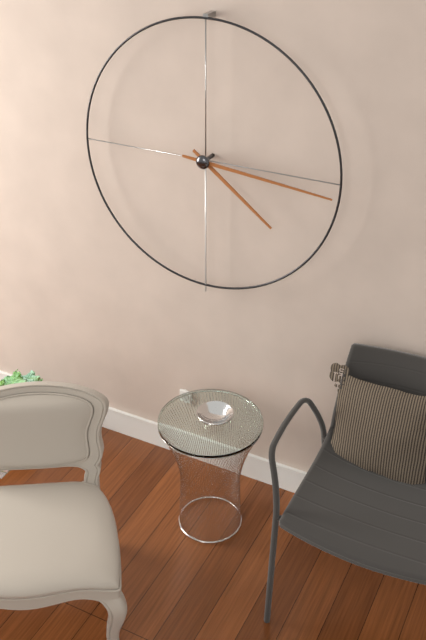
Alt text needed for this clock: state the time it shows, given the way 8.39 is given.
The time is 4.16
